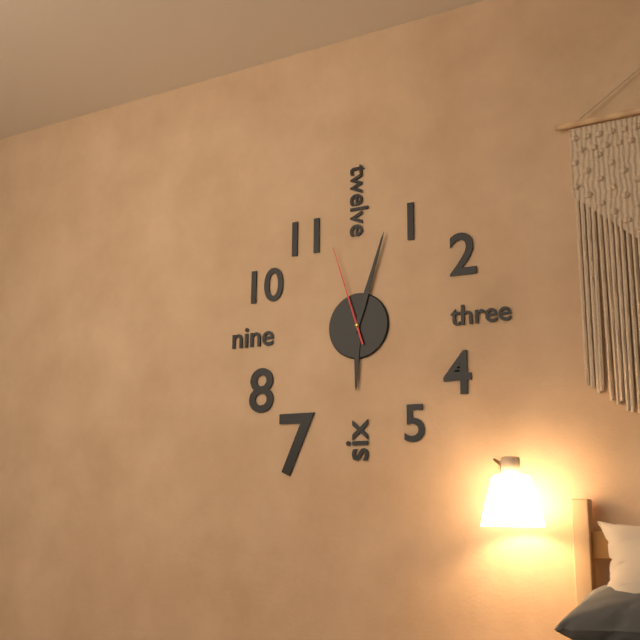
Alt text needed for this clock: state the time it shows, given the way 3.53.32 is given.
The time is 6.03.57
